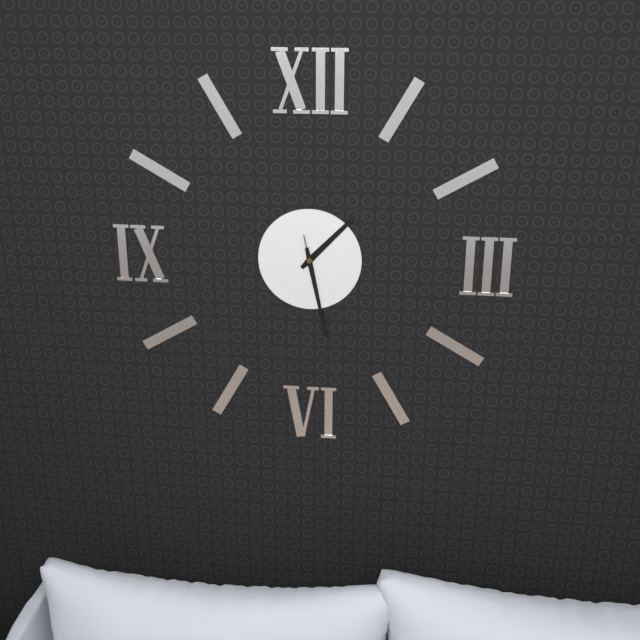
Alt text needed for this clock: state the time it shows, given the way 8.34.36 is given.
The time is 1.28.28
